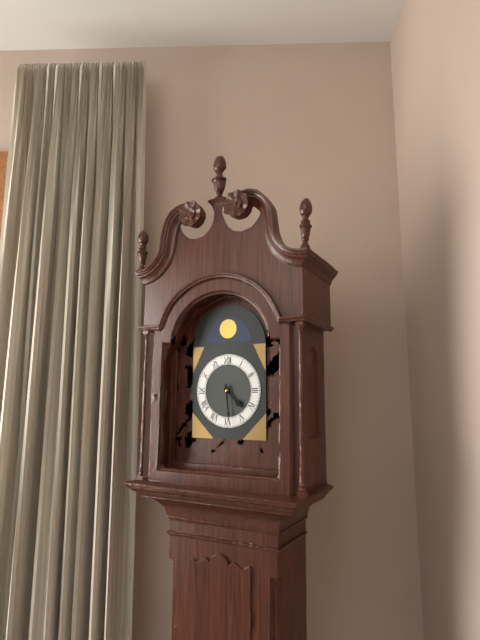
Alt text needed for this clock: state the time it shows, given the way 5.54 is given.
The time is 4.29
